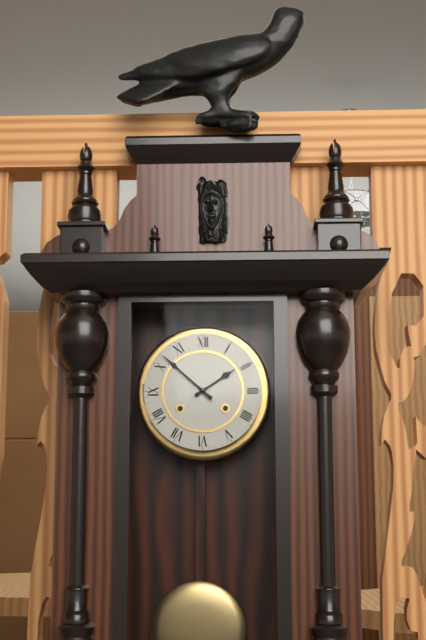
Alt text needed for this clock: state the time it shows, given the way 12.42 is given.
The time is 1.52
